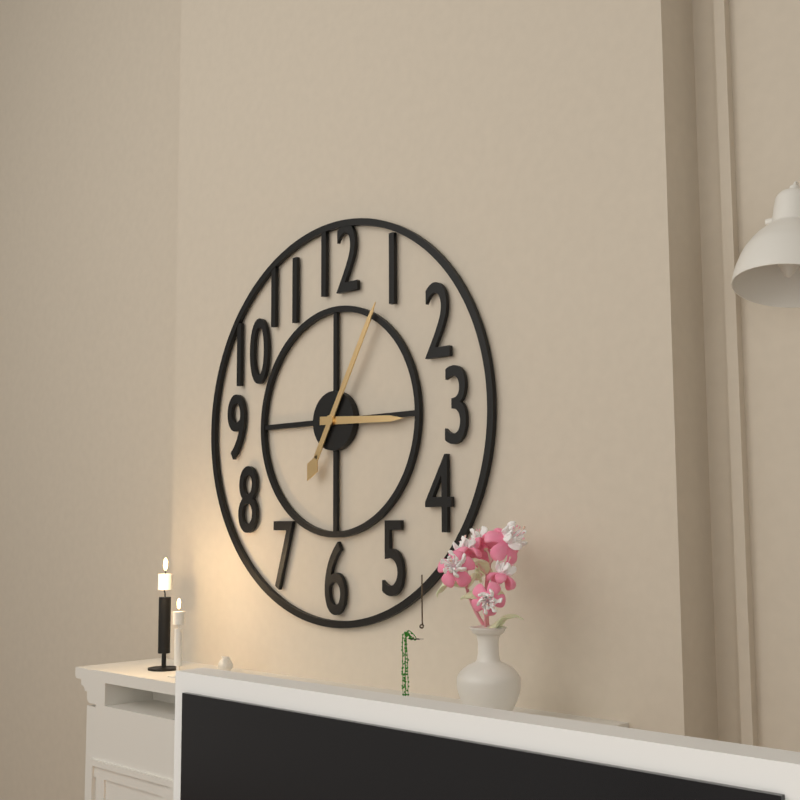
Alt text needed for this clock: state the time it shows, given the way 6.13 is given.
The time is 3.05
